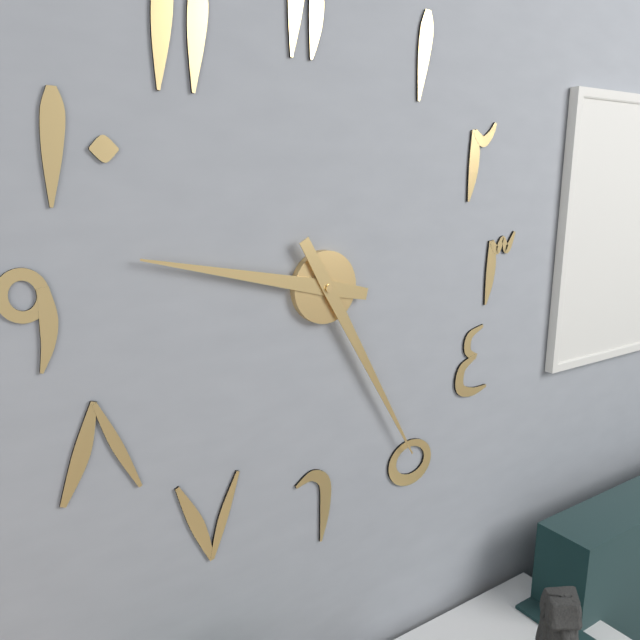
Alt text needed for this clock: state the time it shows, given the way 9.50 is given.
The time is 9.25
